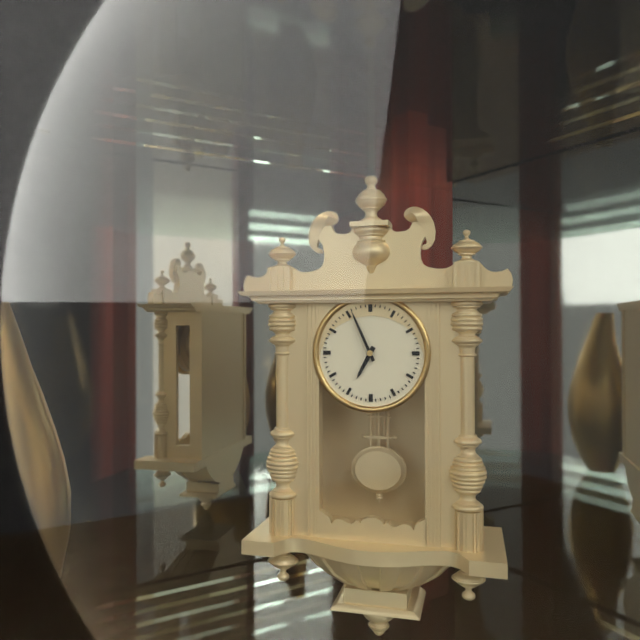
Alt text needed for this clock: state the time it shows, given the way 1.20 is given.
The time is 6.56
